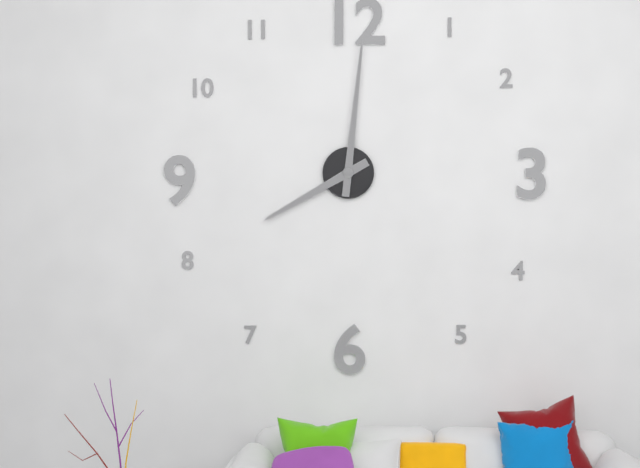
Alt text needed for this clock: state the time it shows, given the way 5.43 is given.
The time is 8.01
